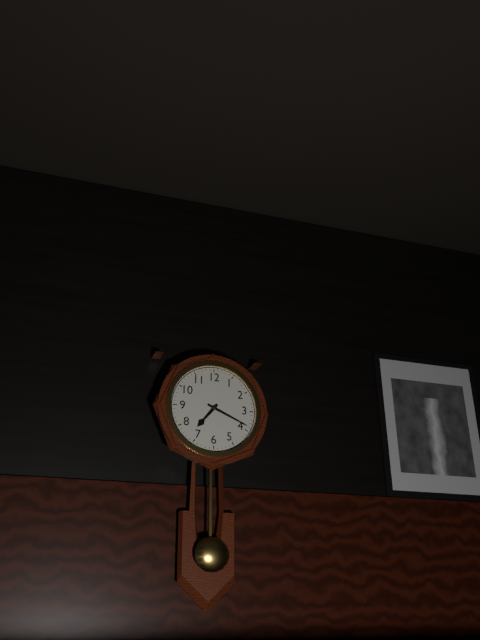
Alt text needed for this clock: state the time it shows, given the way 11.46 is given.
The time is 7.19
